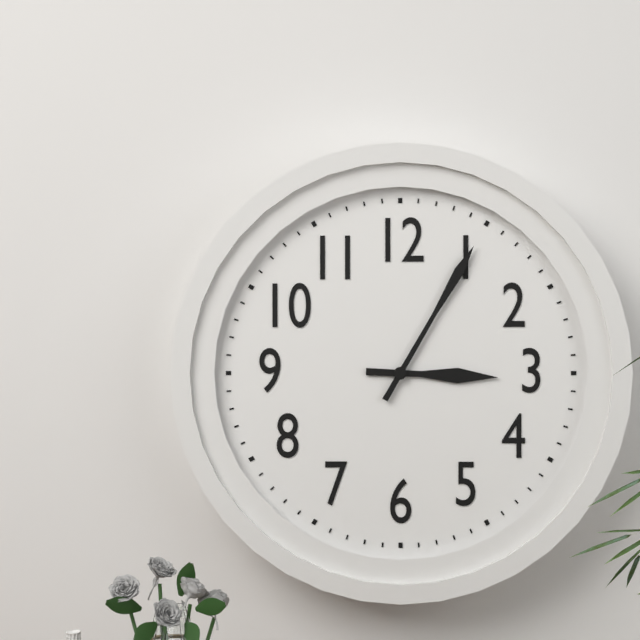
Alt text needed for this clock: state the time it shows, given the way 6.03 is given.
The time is 3.05
